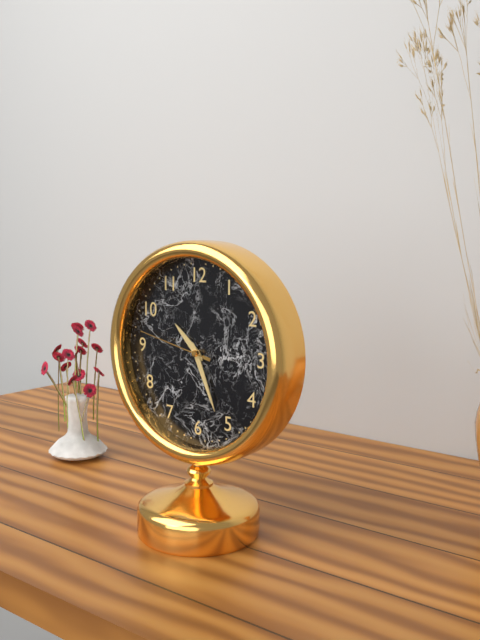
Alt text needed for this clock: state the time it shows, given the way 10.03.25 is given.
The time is 10.26.47
